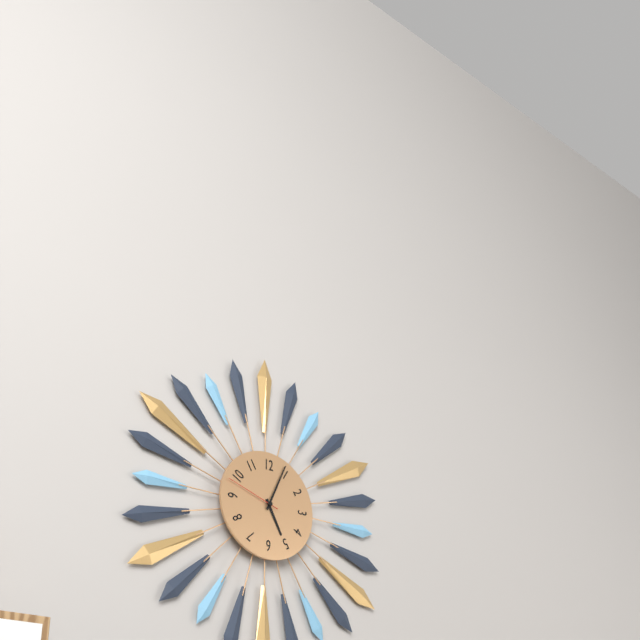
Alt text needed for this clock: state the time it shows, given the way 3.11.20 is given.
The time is 5.04.48
